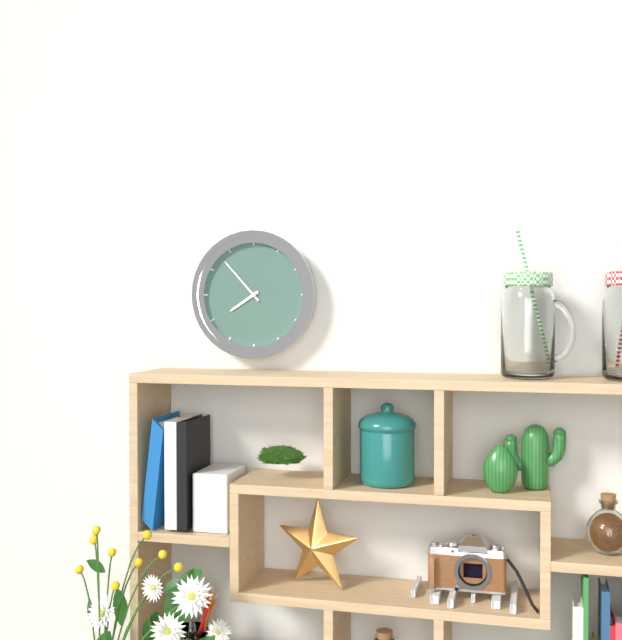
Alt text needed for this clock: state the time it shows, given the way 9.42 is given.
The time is 7.53
